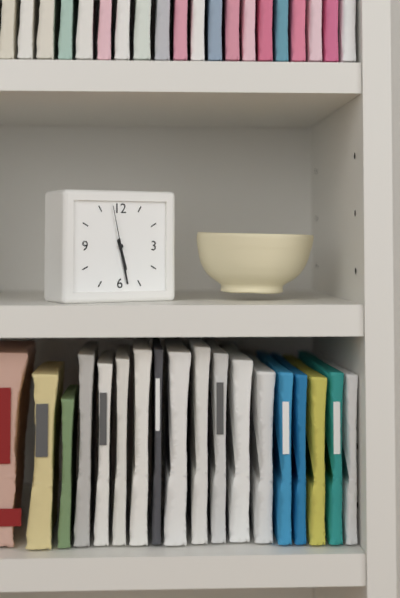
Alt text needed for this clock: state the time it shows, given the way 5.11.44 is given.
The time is 5.28.58
